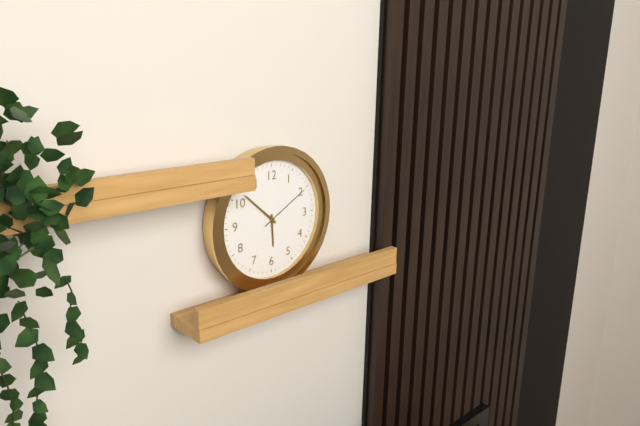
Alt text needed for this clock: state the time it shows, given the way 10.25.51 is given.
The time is 5.52.10
